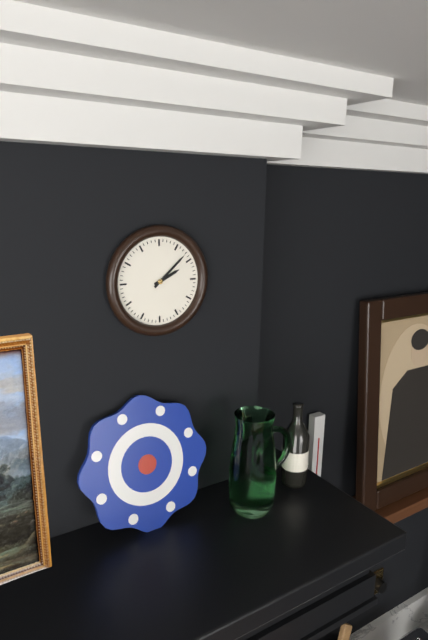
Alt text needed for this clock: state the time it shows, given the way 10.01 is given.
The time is 2.08
